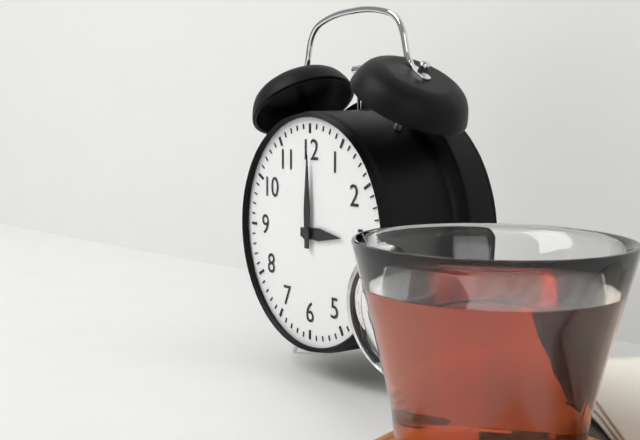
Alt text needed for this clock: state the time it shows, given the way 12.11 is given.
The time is 3.00
